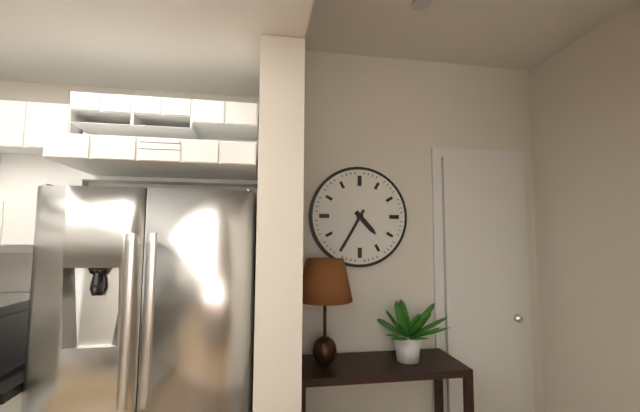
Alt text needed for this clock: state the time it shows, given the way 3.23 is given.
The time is 4.35
